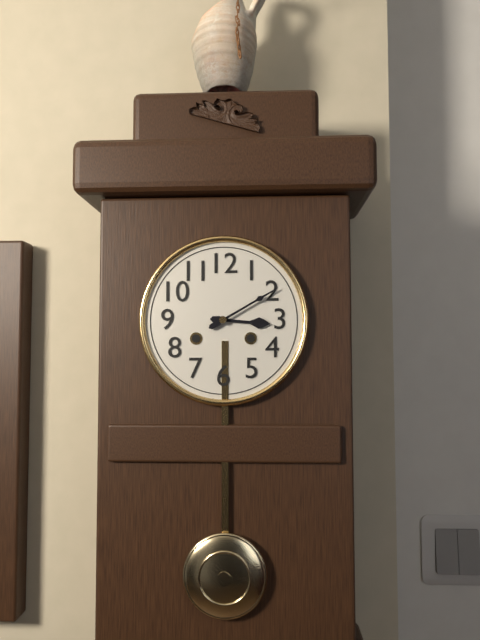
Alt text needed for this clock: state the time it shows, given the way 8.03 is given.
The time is 3.10
